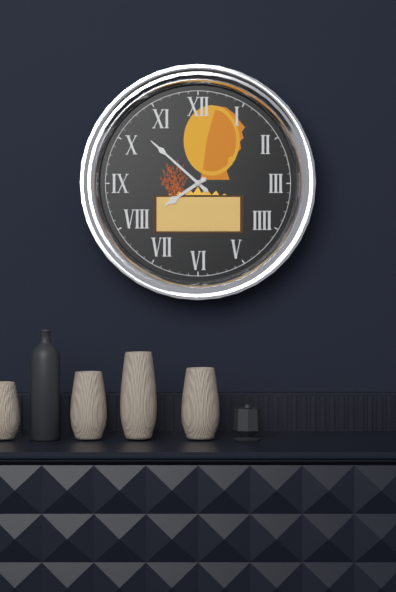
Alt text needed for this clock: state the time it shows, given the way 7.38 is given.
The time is 7.52
